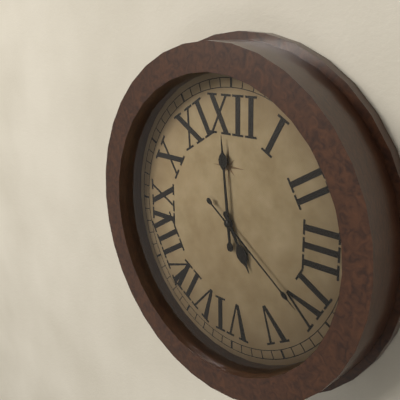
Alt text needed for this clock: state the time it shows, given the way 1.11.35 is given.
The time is 4.59.21
